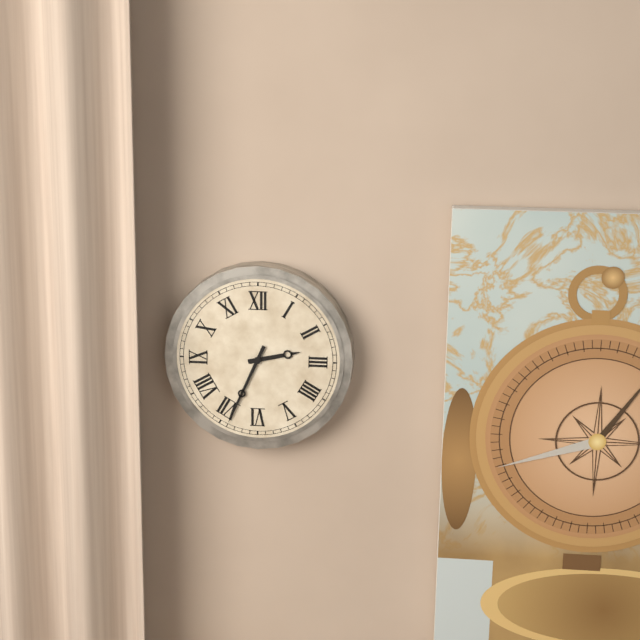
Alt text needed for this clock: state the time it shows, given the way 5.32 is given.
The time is 2.34
